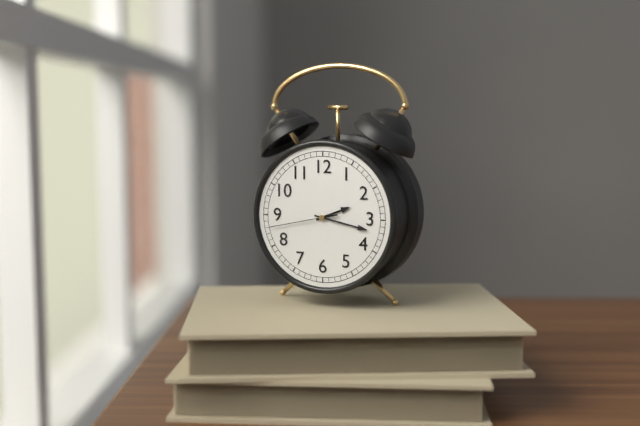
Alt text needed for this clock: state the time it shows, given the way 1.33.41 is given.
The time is 2.17.43
